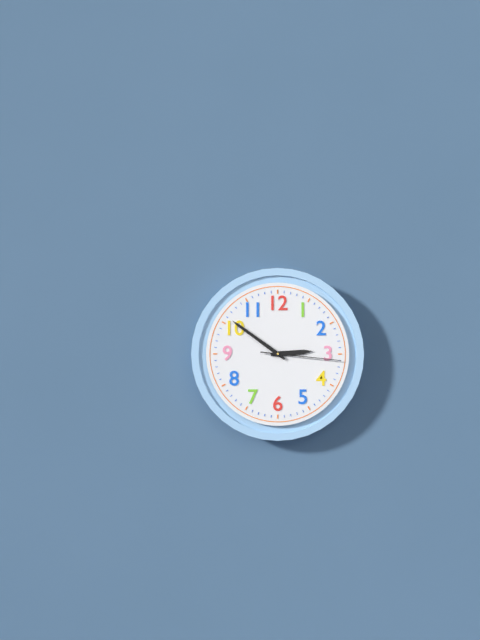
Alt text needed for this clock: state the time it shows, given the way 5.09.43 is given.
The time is 2.51.16
